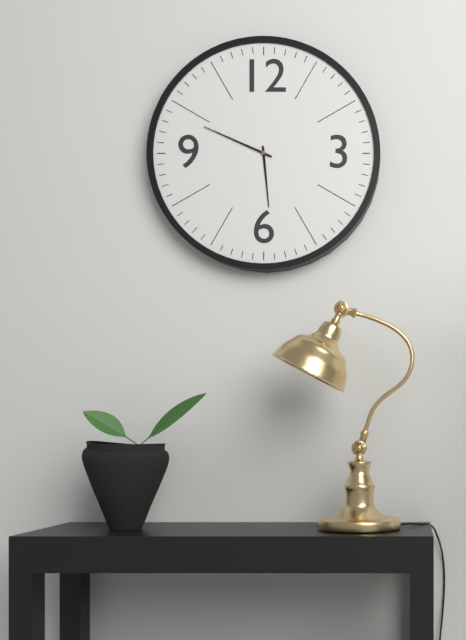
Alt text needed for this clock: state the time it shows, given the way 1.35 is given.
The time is 5.49
